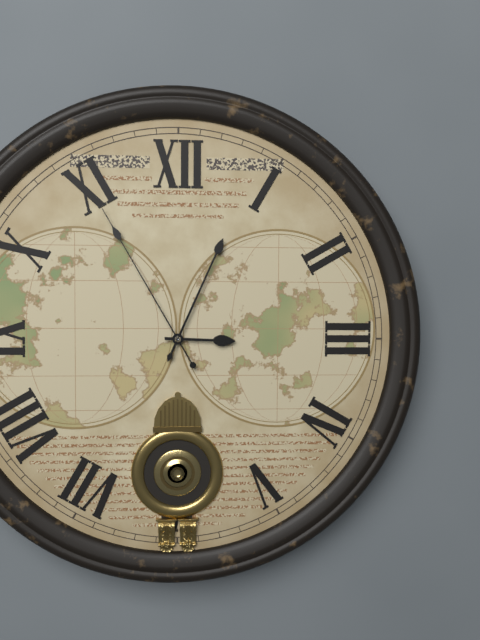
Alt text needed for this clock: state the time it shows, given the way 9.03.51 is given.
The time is 3.04.55
